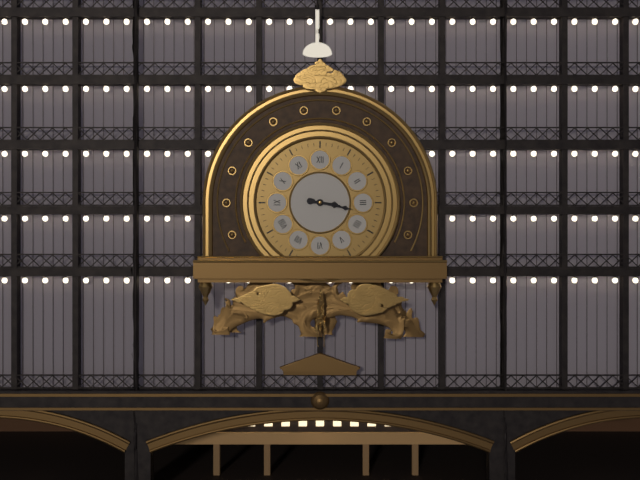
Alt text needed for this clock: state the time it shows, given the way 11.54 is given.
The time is 3.17
